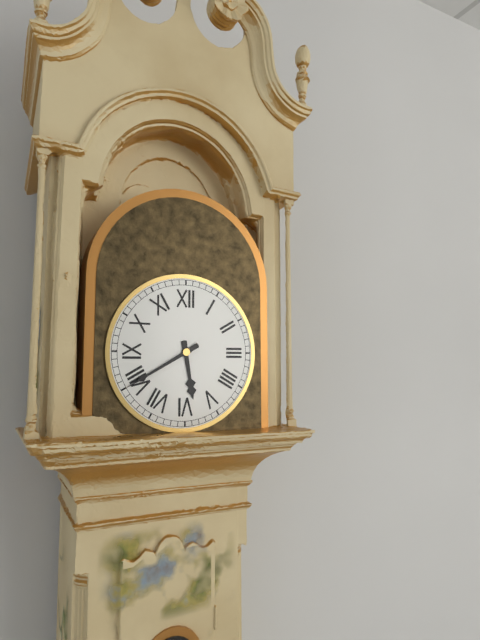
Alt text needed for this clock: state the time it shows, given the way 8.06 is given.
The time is 5.40
